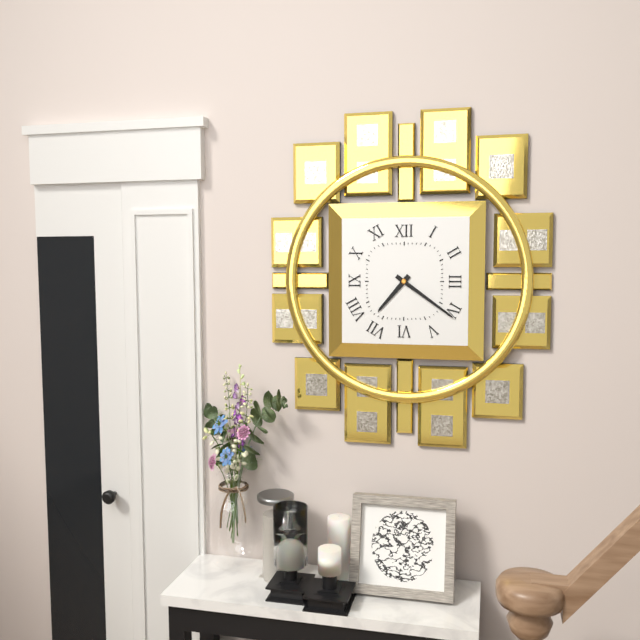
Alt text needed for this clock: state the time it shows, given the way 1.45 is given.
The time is 7.21
